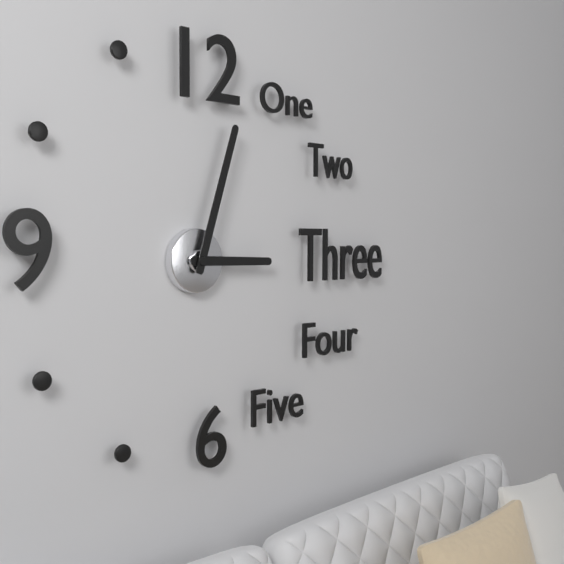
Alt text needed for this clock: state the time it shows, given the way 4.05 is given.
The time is 3.03
